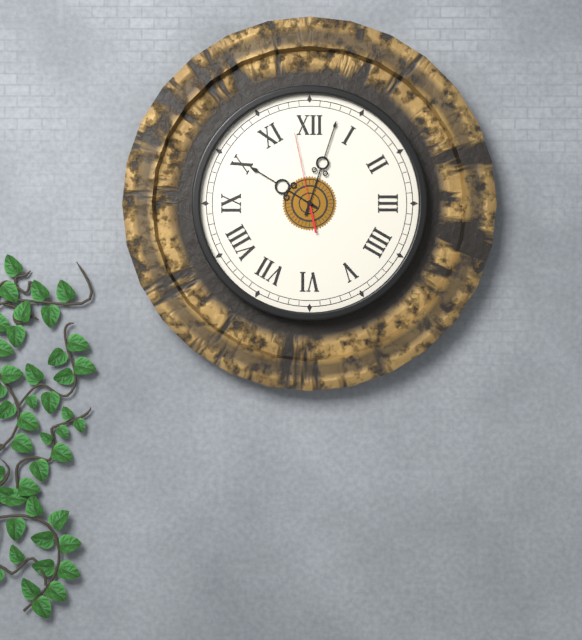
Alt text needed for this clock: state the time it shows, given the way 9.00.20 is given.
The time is 10.03.58
